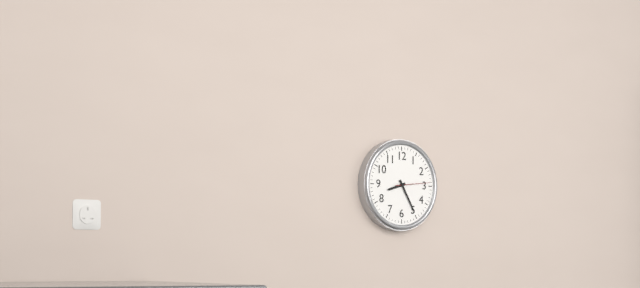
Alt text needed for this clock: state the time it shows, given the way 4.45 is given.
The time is 8.25
